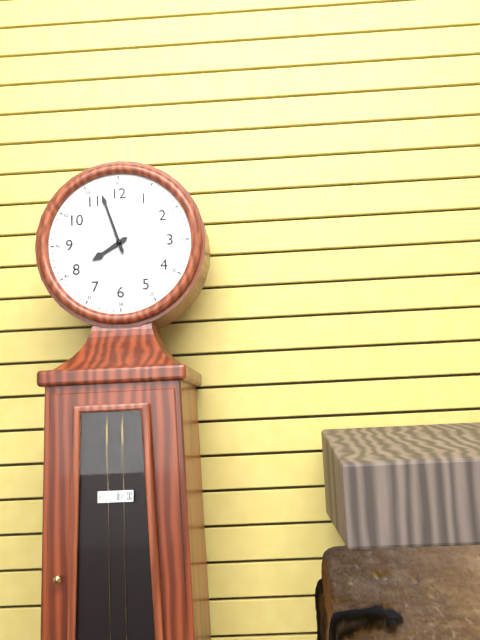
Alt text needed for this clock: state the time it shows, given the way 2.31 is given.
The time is 7.57
